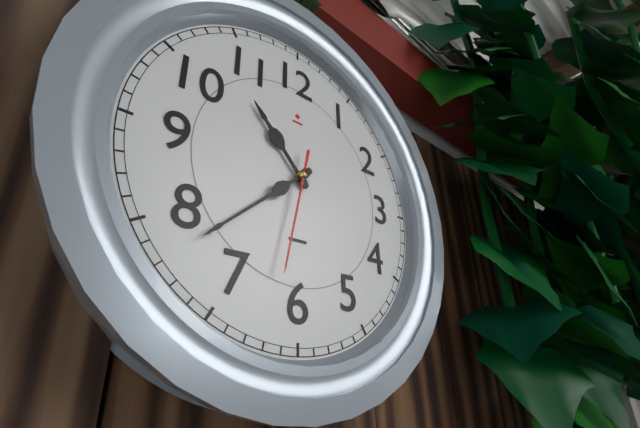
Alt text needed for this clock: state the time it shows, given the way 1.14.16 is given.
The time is 10.38.32
